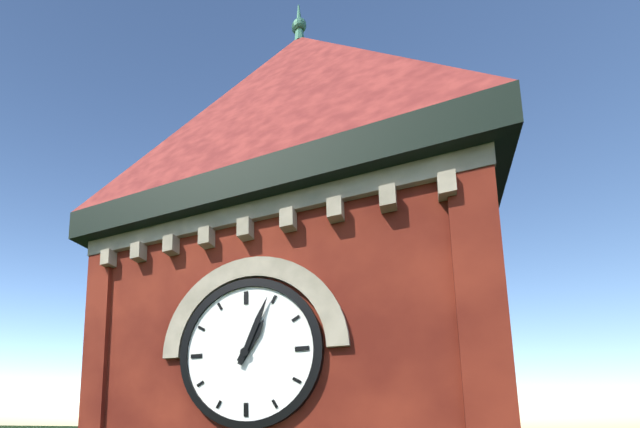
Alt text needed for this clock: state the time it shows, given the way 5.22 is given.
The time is 1.04
